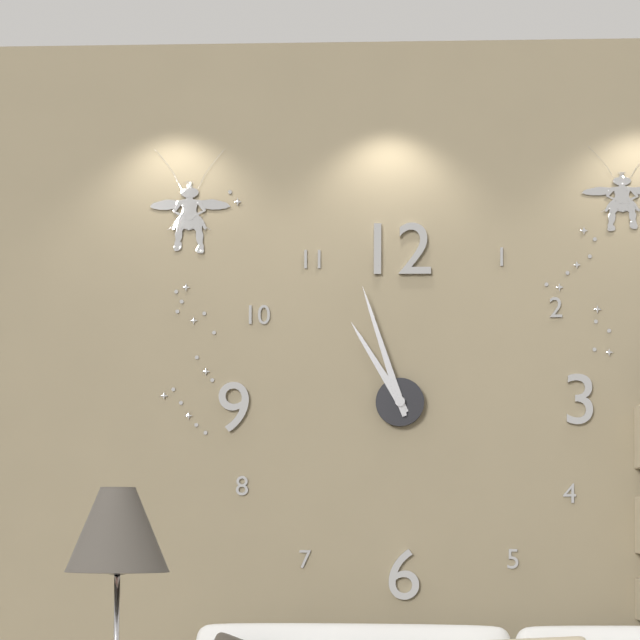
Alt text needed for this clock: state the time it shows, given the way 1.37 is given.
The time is 10.57
